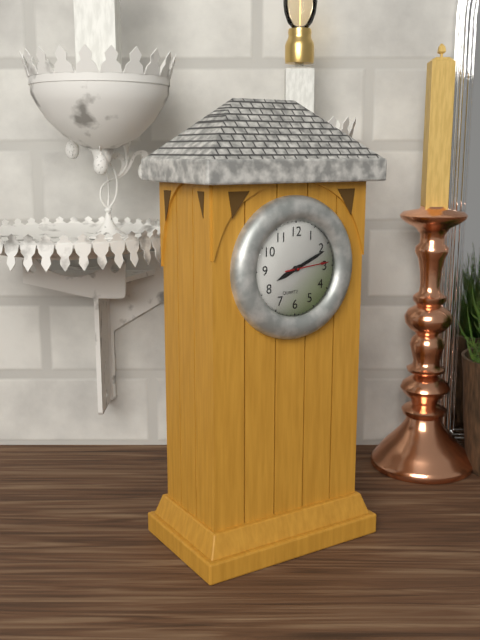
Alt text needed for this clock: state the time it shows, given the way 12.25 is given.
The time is 8.11
